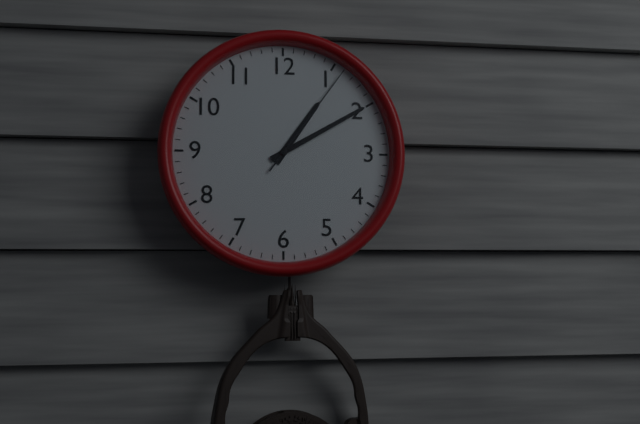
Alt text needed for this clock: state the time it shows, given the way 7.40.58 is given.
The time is 1.10.06
